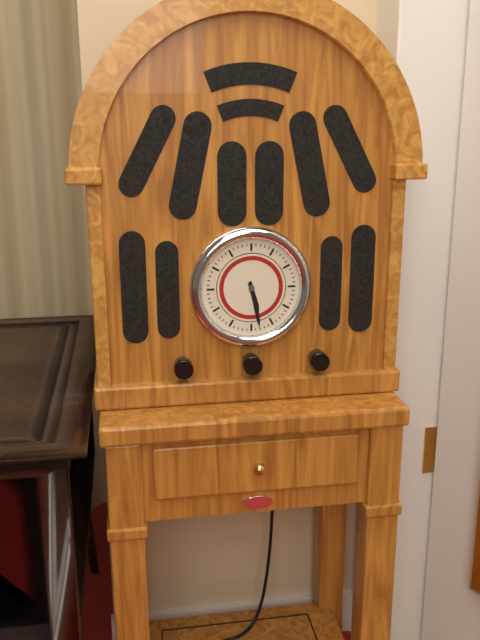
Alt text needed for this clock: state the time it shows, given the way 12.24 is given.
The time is 5.28
